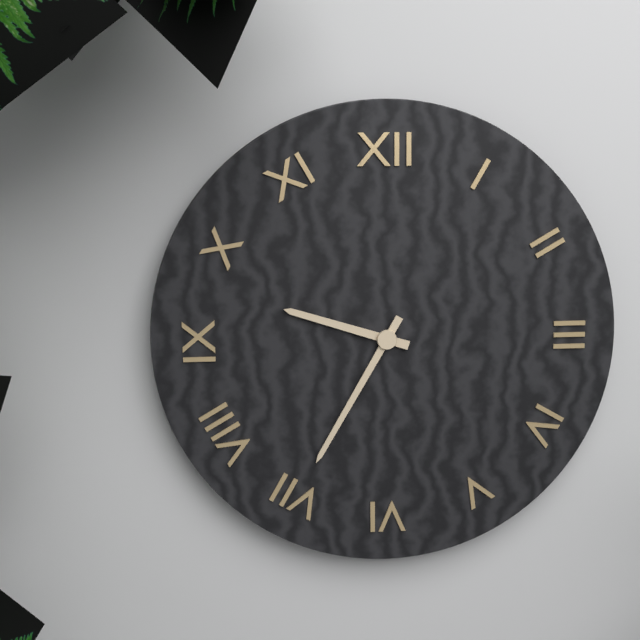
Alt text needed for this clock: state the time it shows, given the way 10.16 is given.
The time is 9.35
